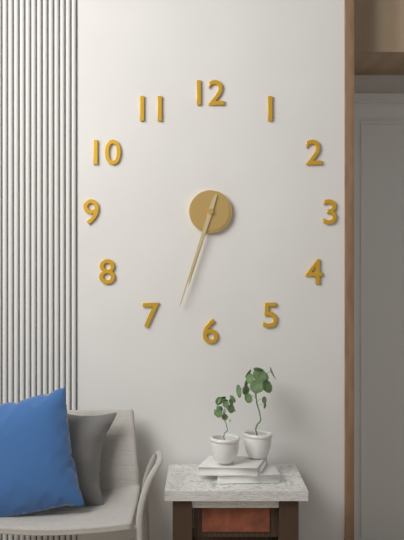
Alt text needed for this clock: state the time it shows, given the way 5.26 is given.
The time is 6.33
